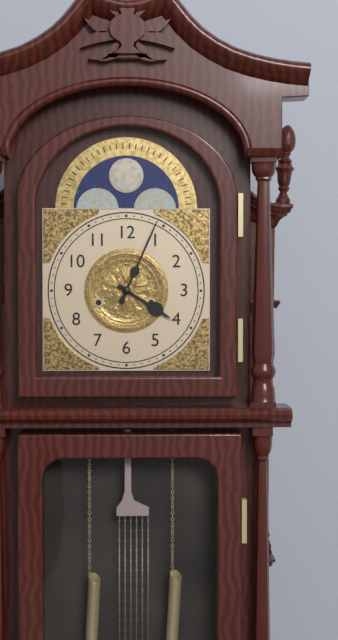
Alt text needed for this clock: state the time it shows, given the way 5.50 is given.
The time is 4.04
